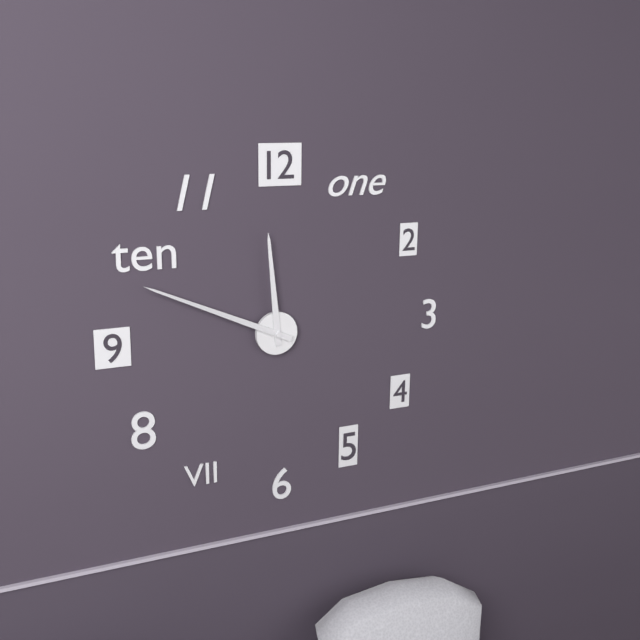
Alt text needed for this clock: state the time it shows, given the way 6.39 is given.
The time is 11.49
